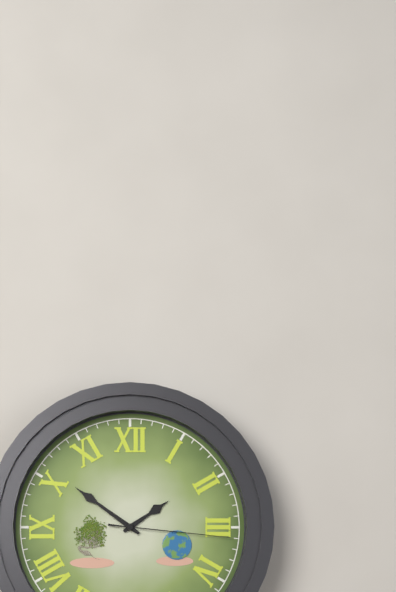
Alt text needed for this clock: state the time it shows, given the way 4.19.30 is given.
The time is 1.51.16
